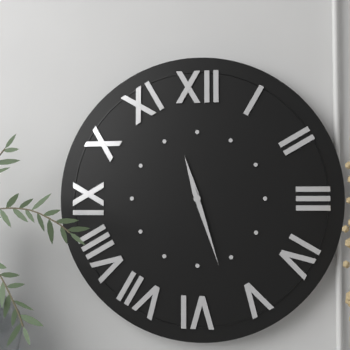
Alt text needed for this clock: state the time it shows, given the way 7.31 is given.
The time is 11.27
